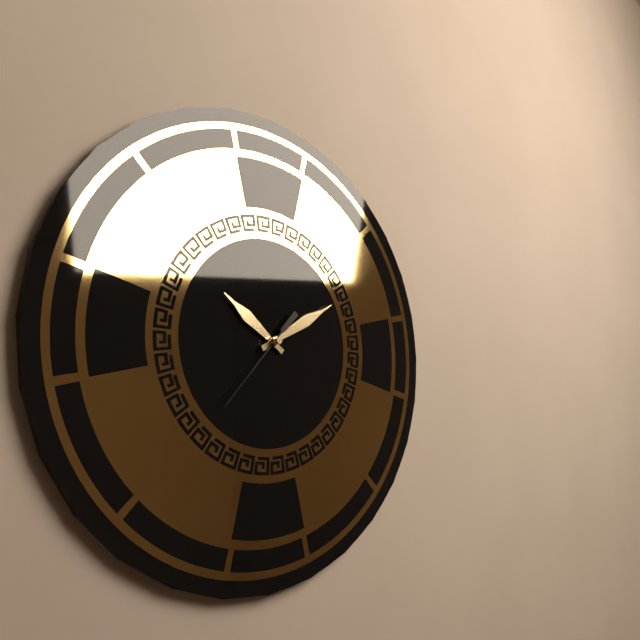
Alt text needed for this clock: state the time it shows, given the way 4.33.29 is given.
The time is 10.10.37
